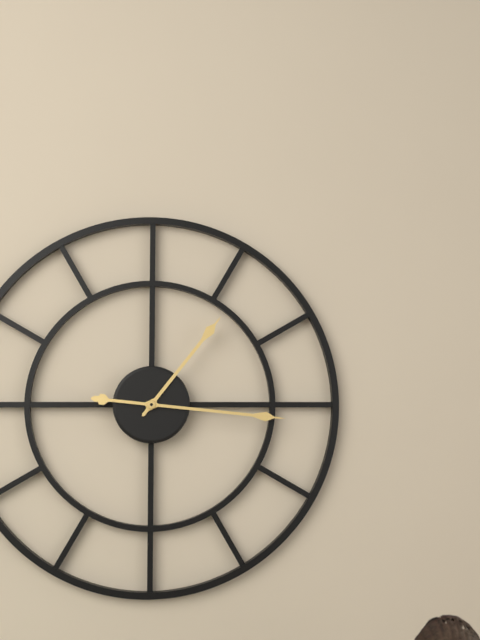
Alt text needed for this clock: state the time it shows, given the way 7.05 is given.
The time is 1.16
